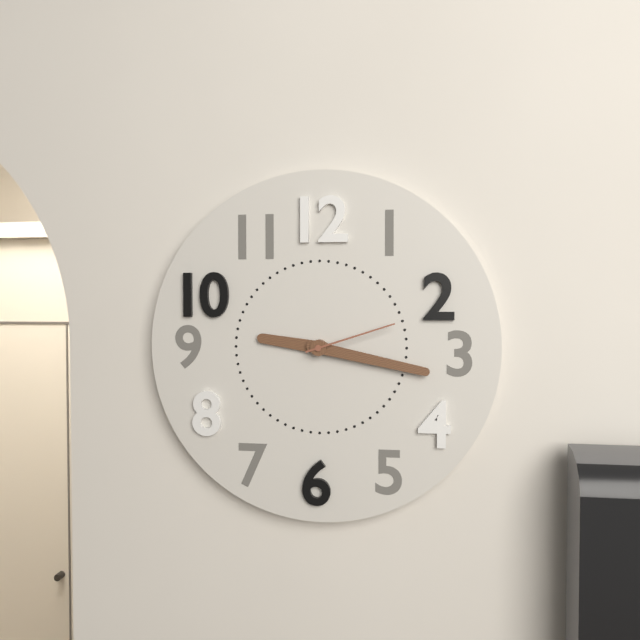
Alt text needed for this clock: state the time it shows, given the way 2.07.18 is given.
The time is 9.17.12
